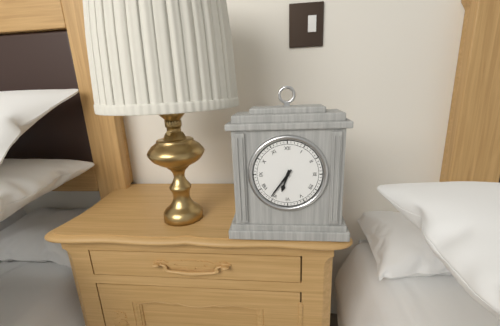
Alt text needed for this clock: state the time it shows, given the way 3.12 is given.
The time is 6.36
